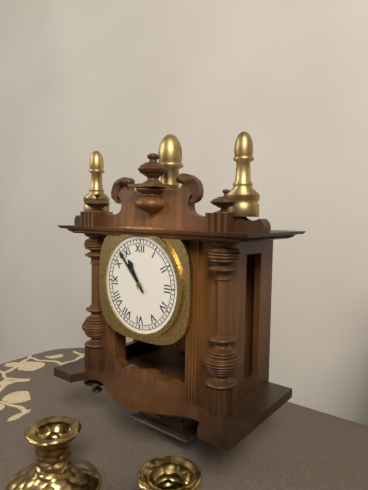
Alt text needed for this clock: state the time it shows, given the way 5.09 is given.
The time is 10.53
